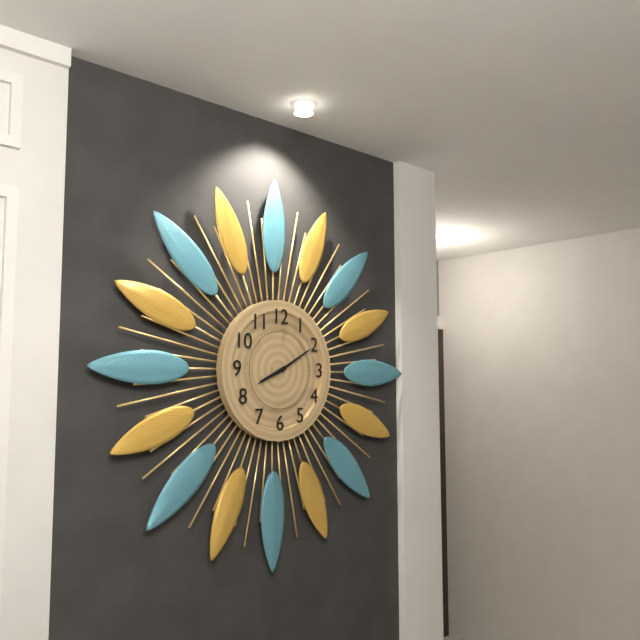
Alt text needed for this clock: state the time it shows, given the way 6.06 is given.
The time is 8.10
